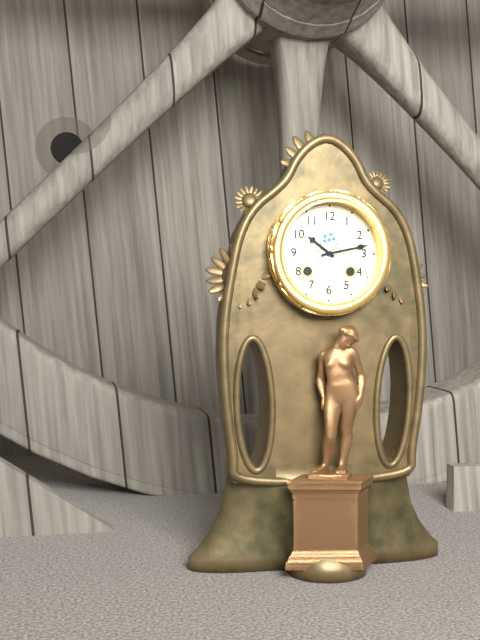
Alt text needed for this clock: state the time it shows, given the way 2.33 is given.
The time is 10.13
